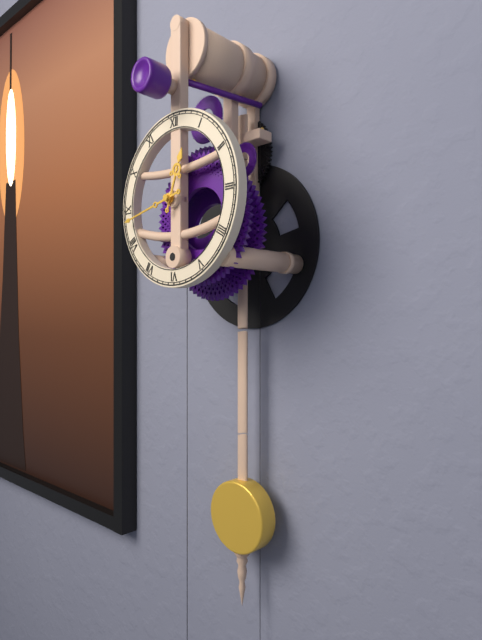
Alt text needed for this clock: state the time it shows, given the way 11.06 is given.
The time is 12.43
